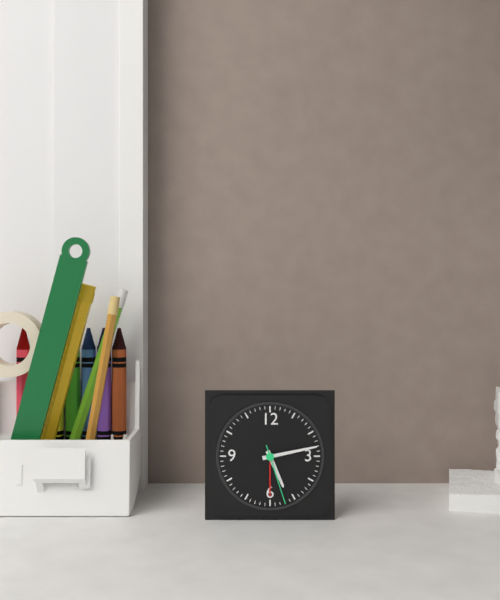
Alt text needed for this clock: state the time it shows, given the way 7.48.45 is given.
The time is 5.13.27
